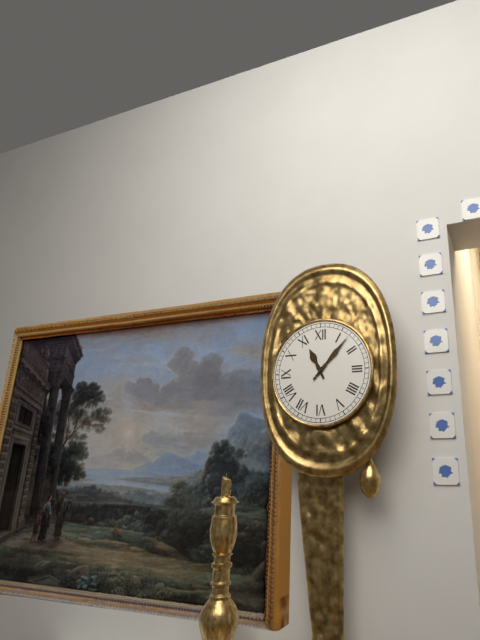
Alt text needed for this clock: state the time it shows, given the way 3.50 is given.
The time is 11.07
